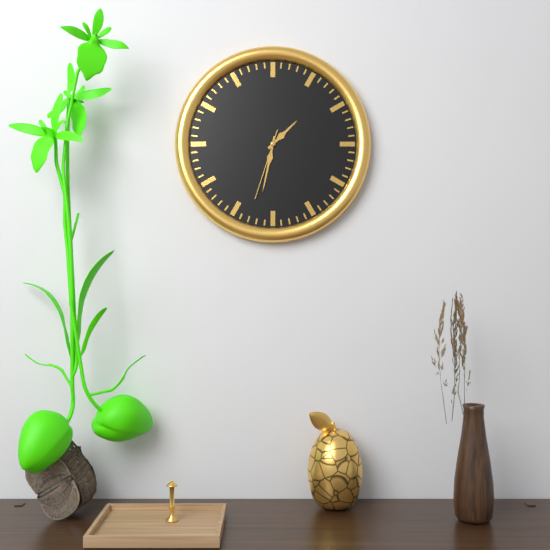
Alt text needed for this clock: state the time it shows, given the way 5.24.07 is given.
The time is 1.32.33
